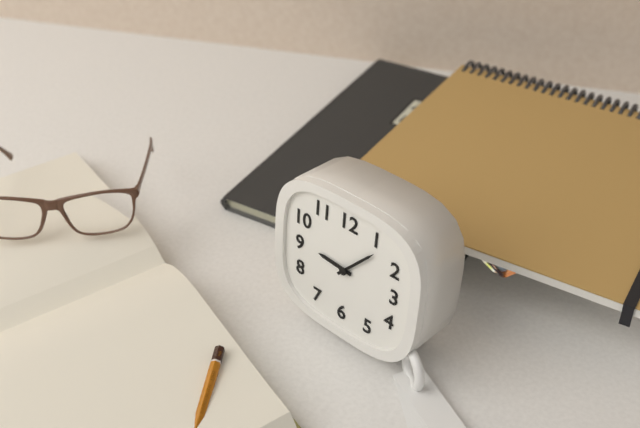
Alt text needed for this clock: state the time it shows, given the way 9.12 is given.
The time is 9.07
